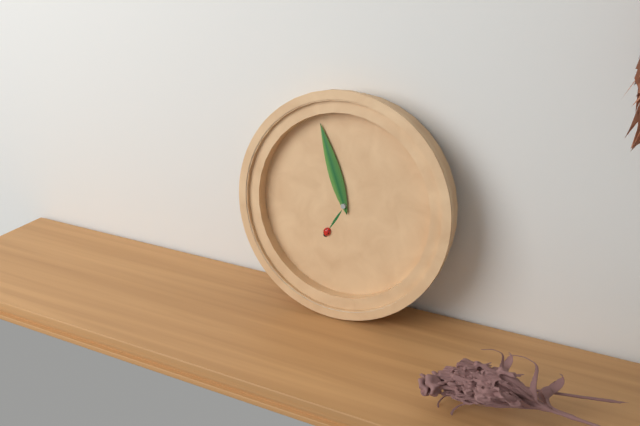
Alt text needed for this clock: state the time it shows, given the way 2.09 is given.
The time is 6.56
